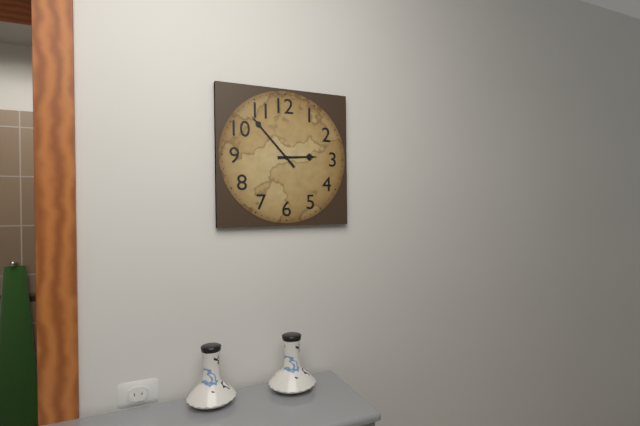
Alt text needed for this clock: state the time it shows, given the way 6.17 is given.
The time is 2.53
